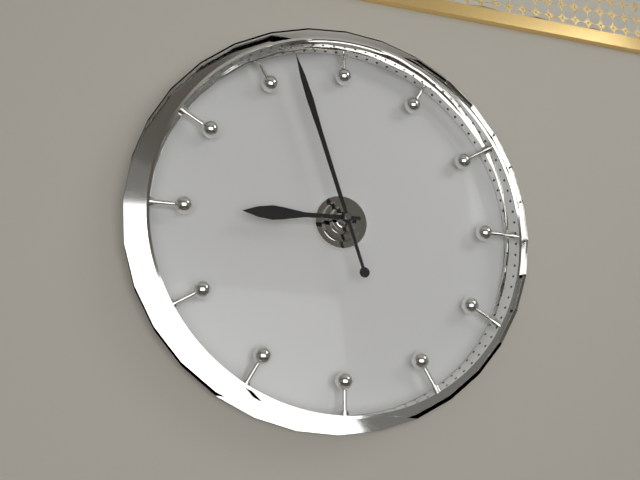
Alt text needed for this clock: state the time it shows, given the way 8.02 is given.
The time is 8.57
